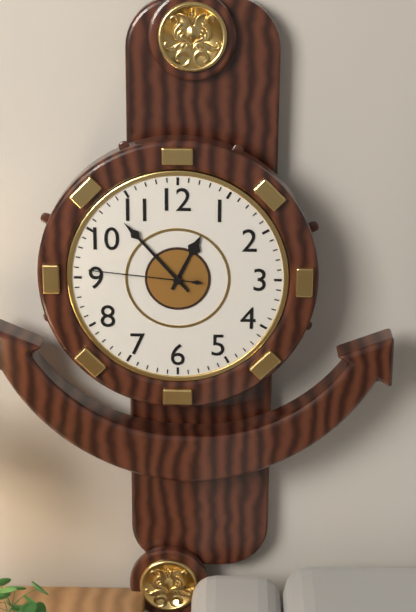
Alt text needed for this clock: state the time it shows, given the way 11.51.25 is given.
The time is 12.53.46
